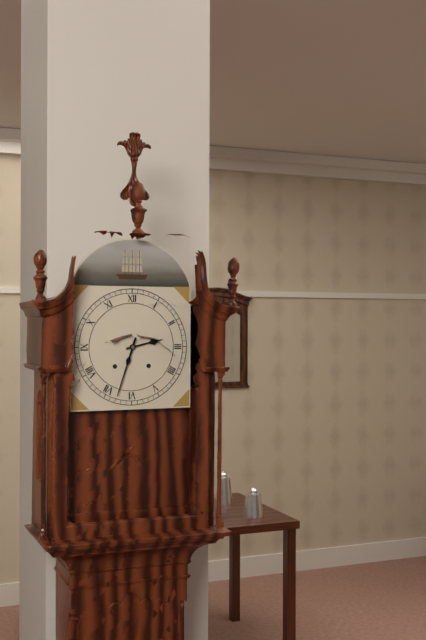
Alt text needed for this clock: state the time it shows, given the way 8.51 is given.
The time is 2.33
